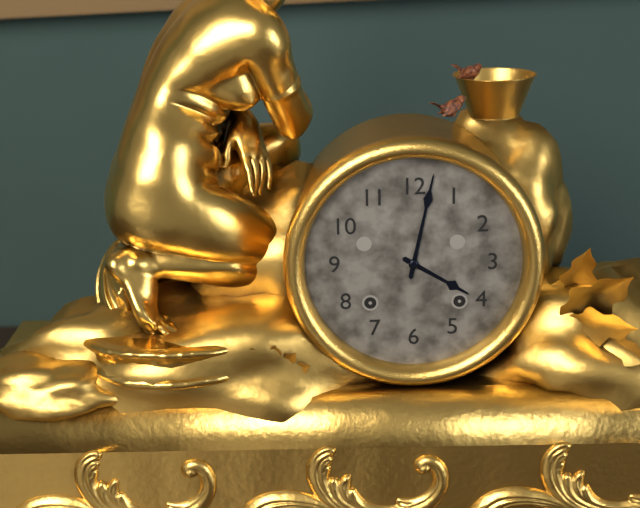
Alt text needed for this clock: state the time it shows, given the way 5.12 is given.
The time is 4.02
